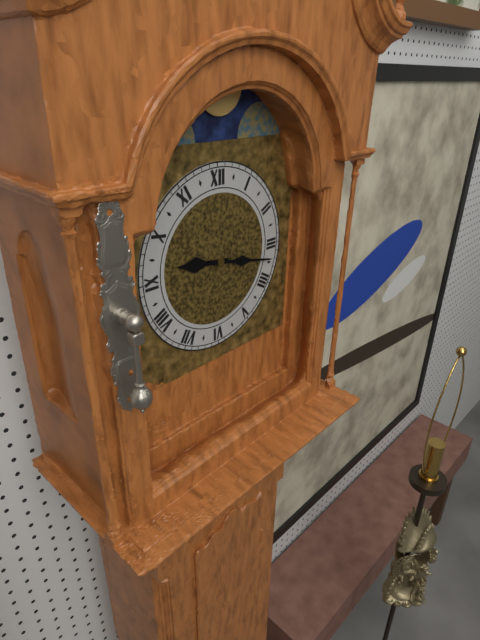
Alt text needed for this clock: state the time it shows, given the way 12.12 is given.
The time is 9.17
